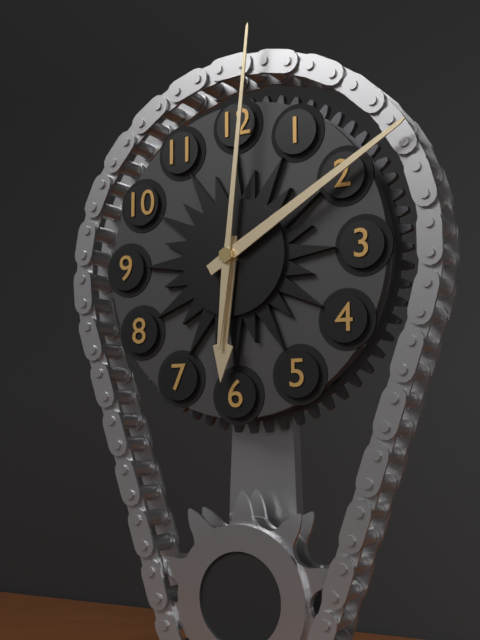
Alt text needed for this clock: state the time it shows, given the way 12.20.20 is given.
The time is 6.10.01
